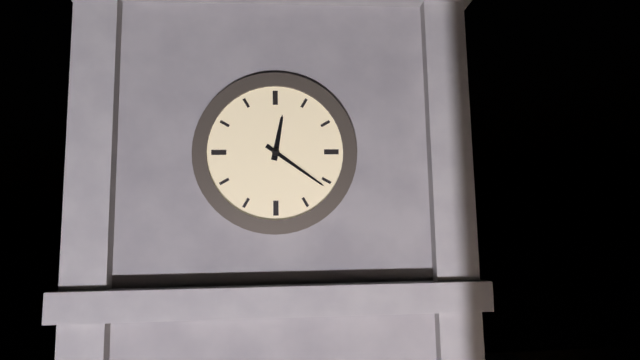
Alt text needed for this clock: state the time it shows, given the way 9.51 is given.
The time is 12.21
